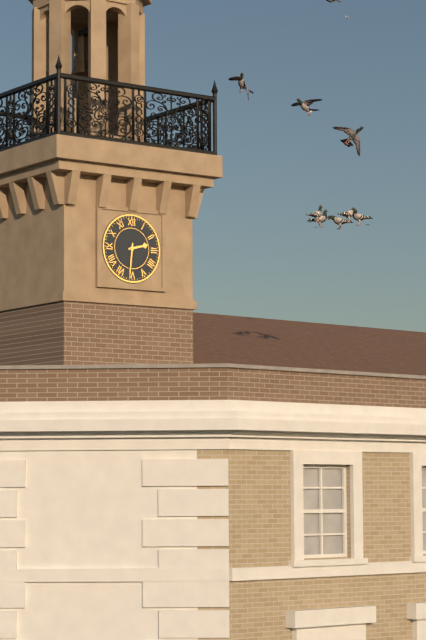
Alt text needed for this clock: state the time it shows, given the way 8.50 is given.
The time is 2.31
